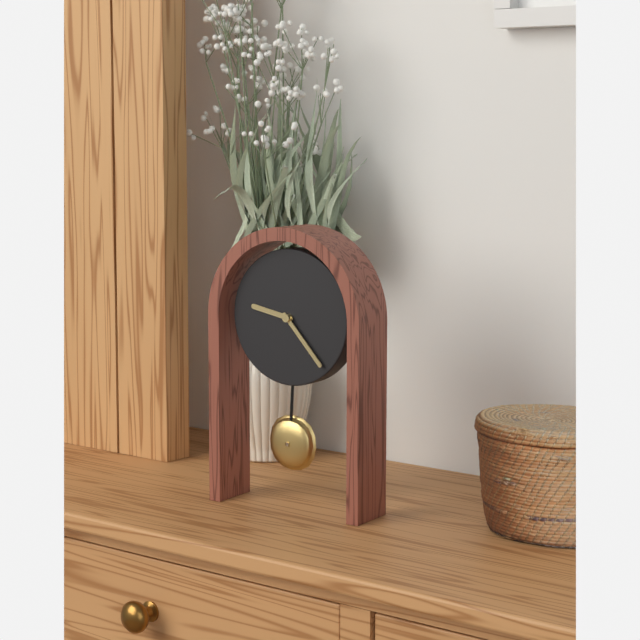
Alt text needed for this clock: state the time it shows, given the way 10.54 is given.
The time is 9.23
